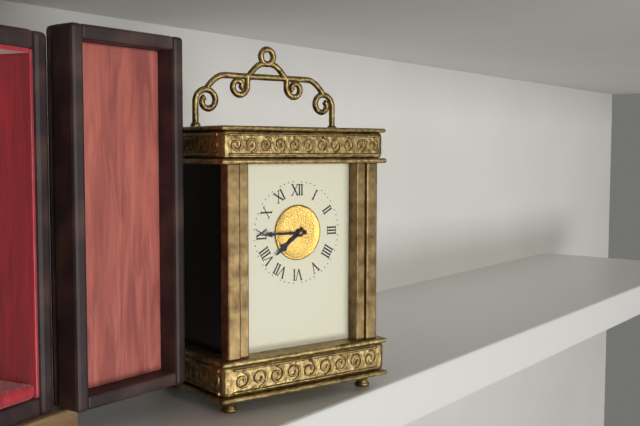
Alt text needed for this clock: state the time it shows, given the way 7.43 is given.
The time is 7.45
